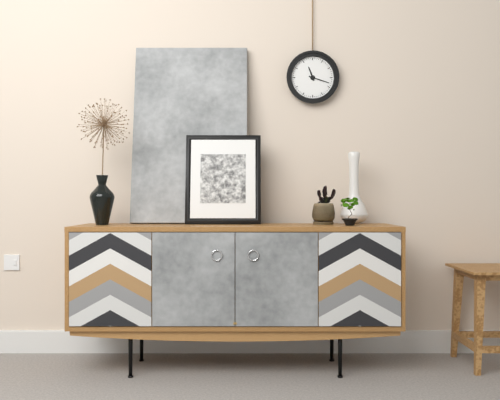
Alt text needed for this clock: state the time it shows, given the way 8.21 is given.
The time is 11.18
